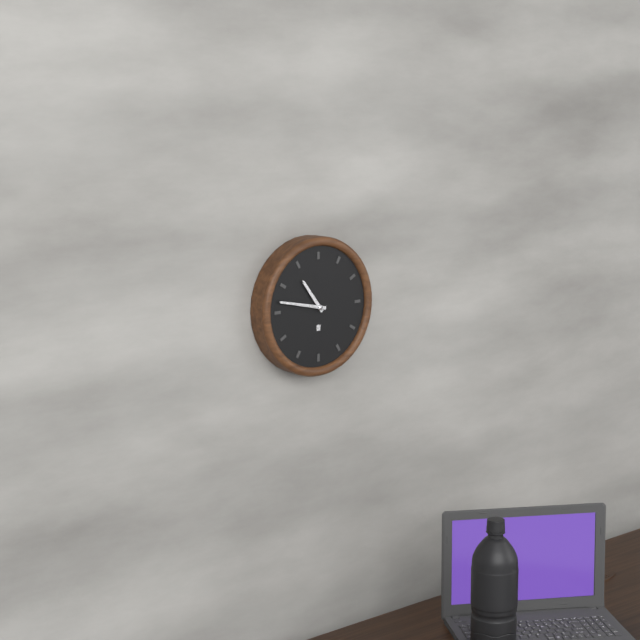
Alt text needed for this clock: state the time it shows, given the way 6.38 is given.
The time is 10.47
